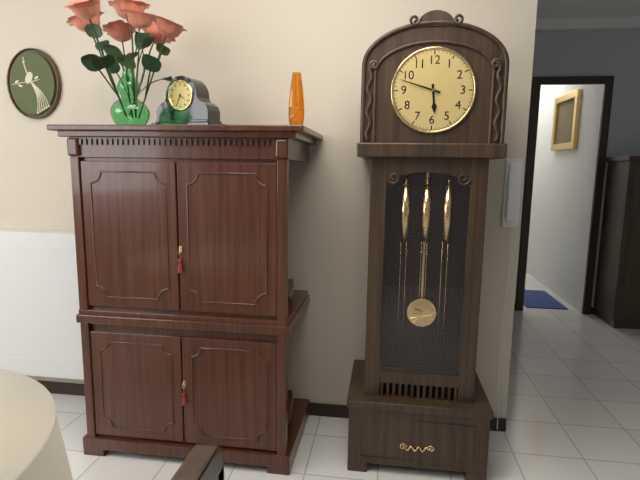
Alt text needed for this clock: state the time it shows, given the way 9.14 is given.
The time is 5.48
